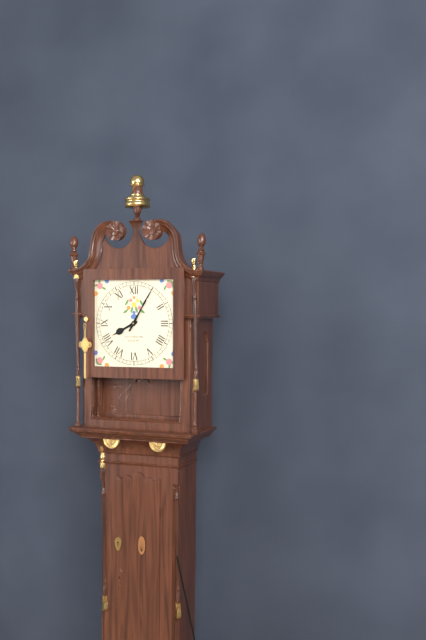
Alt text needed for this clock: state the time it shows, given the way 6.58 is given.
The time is 8.05
